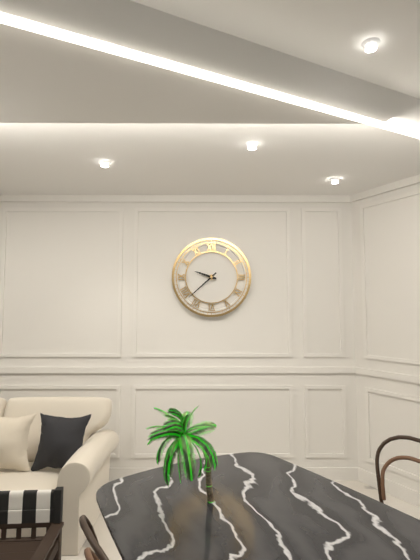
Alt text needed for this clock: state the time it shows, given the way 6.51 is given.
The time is 9.38
